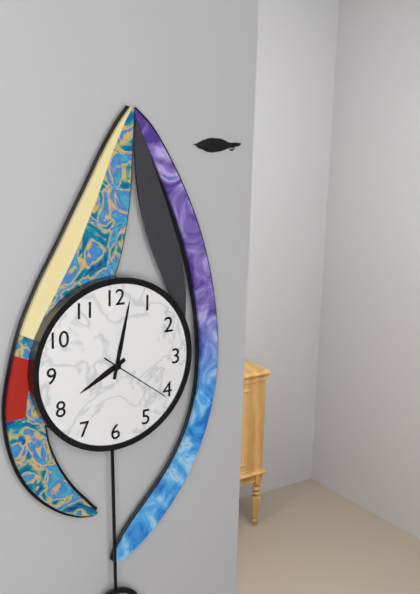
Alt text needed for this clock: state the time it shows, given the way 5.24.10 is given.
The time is 8.02.21
